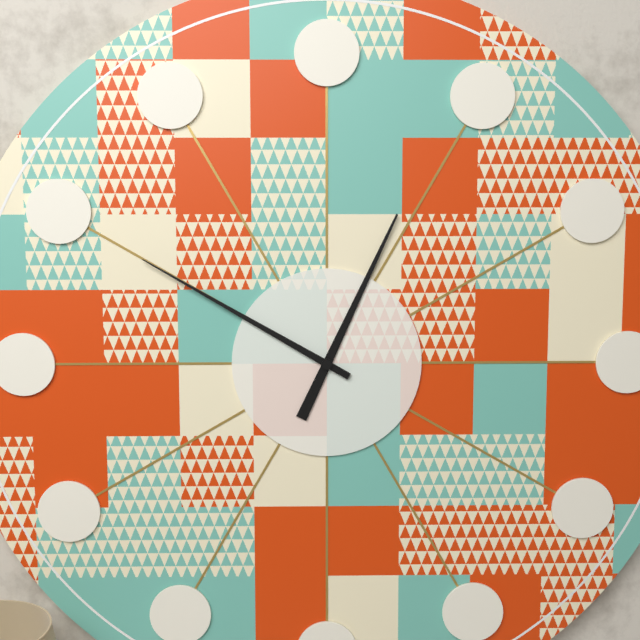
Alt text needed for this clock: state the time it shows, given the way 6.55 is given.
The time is 12.50
